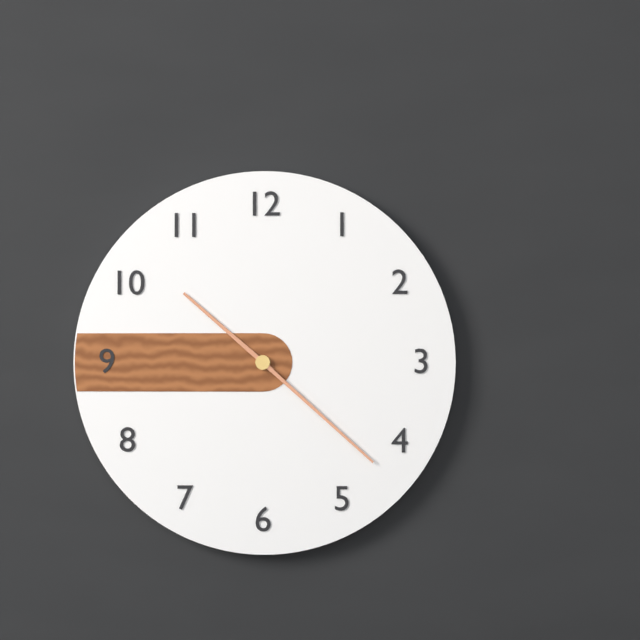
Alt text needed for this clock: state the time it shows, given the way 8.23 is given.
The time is 10.22
